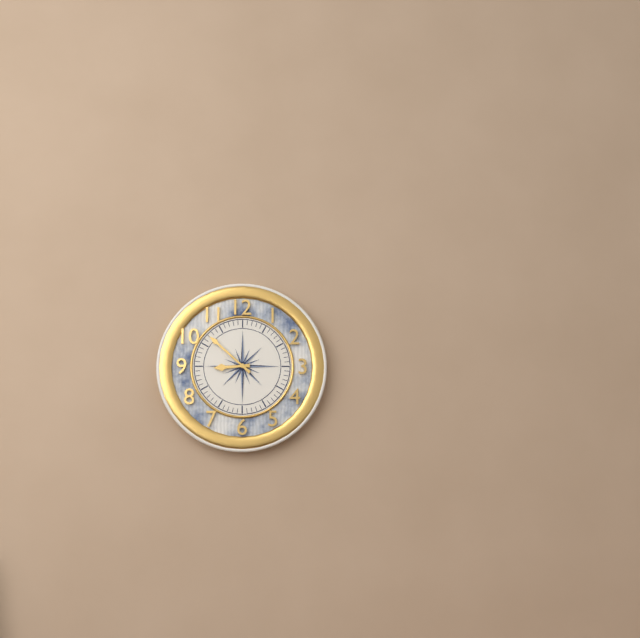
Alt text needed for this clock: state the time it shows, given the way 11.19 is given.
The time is 8.52
